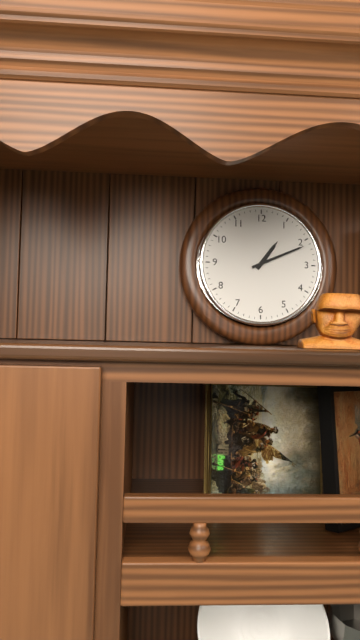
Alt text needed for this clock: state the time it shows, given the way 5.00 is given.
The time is 1.11
